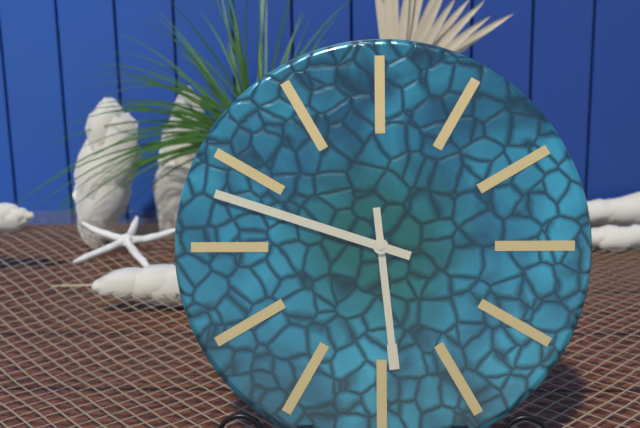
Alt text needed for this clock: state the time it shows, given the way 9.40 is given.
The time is 5.48
